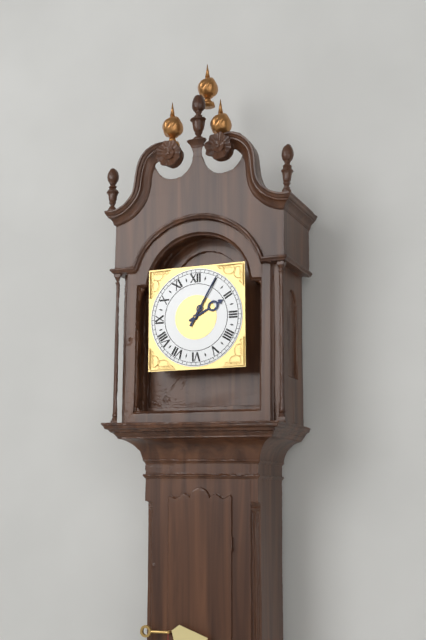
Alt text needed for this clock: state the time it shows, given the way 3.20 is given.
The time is 2.05
